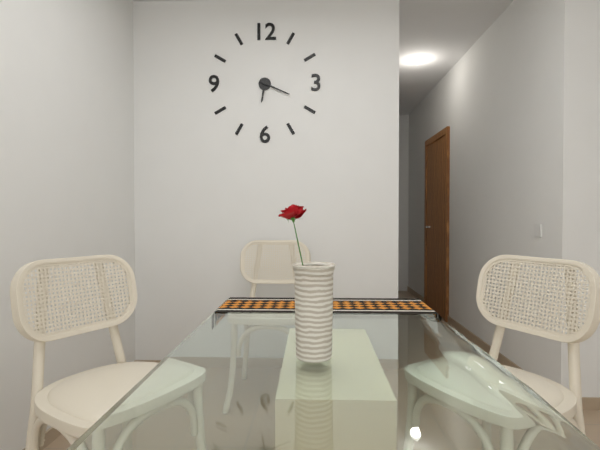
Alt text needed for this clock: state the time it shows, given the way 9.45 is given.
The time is 6.19
